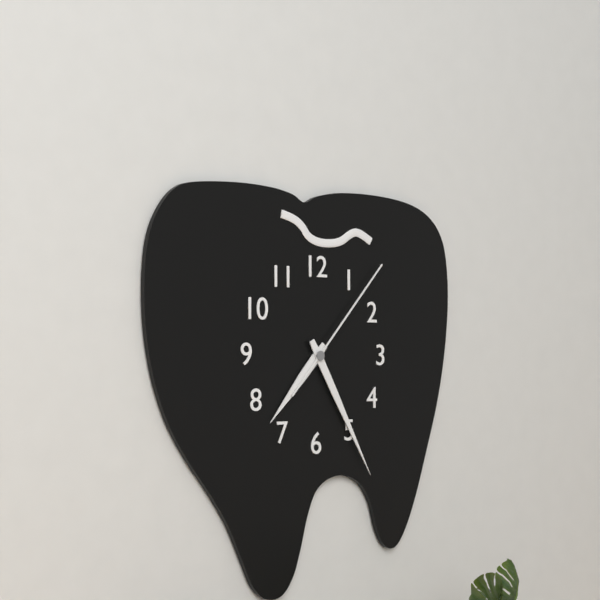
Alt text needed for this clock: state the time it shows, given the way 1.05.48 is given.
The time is 7.25.07
